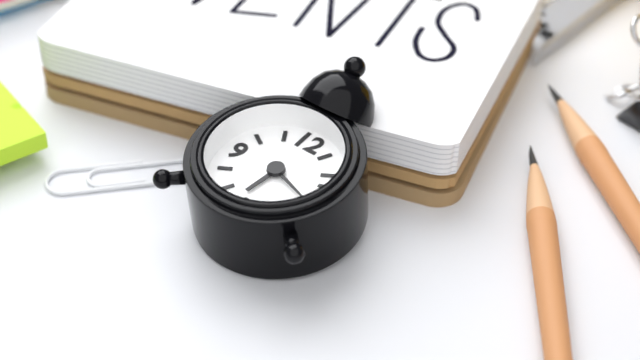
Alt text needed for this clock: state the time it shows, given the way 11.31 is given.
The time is 6.18
